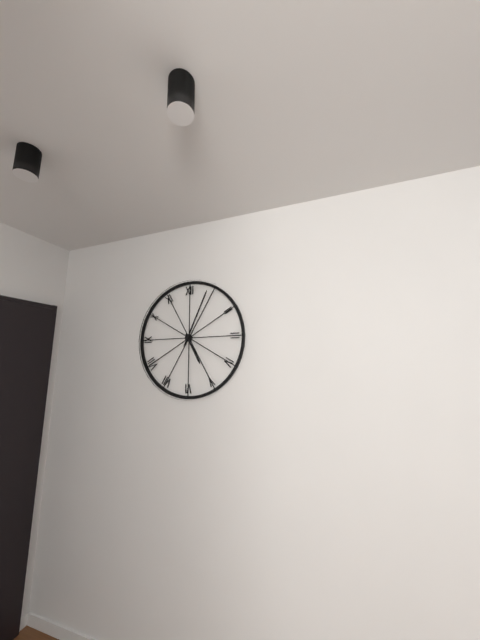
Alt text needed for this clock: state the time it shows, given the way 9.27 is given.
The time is 5.04
